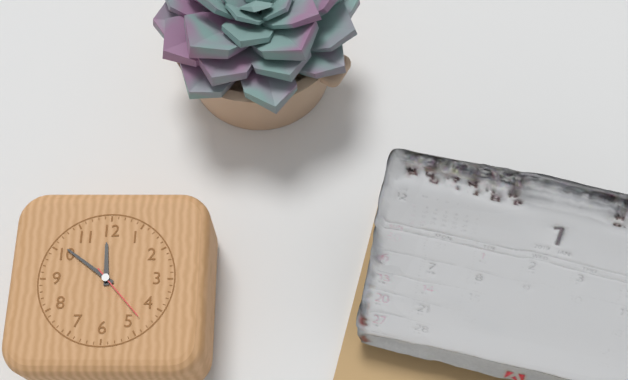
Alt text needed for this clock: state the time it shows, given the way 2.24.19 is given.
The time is 11.51.23
